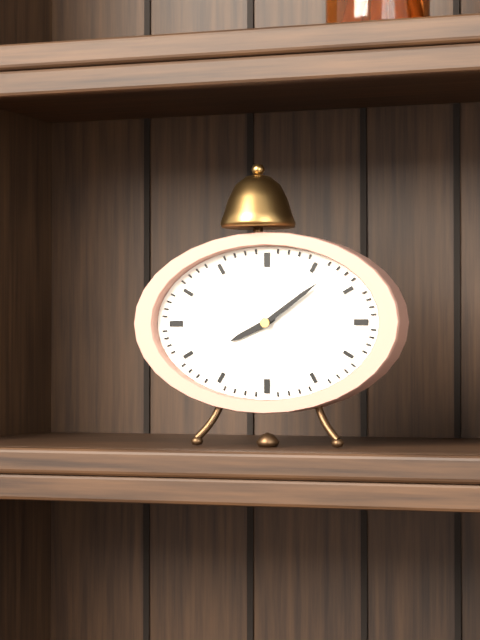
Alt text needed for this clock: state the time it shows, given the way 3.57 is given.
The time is 8.09
